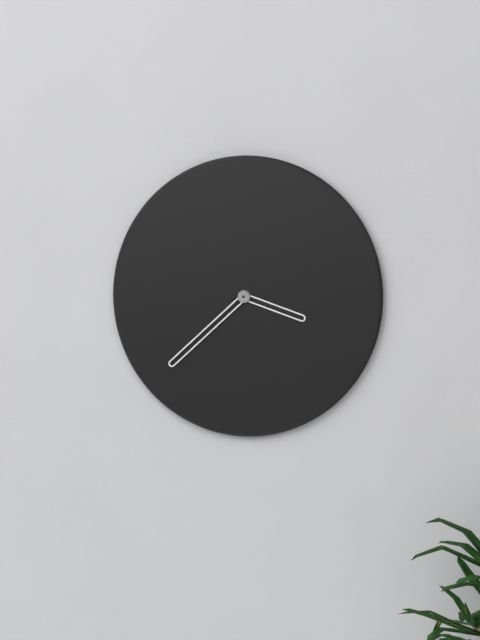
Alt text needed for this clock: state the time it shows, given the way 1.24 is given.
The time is 3.38
